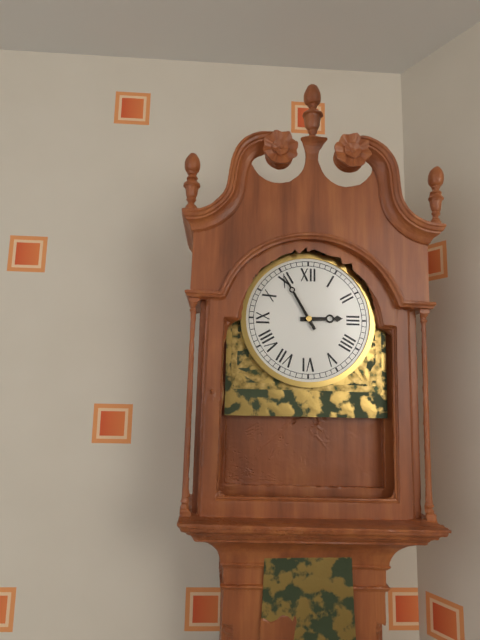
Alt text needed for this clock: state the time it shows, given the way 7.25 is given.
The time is 2.55
